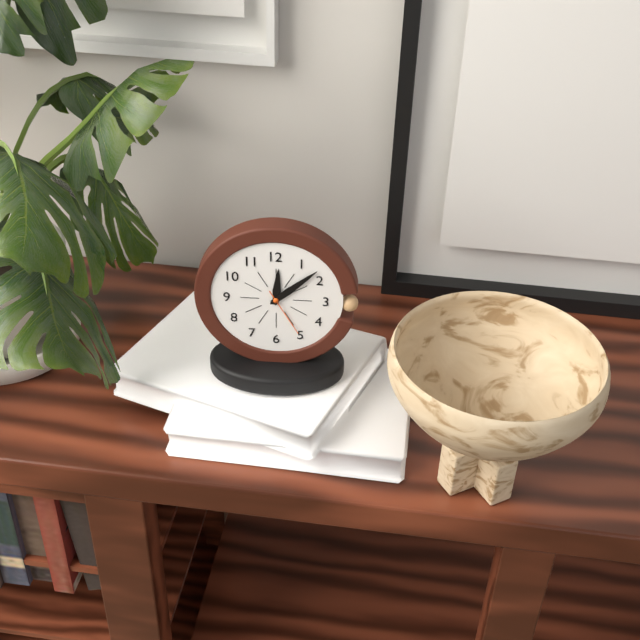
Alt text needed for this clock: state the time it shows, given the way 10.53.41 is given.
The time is 12.08.25
